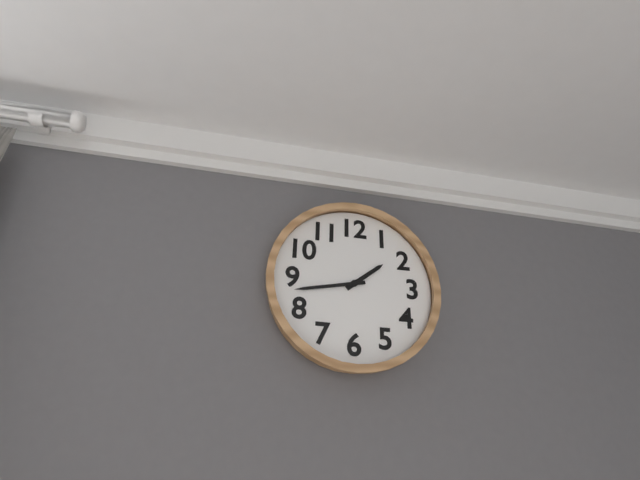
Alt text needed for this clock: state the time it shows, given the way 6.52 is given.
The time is 1.43
